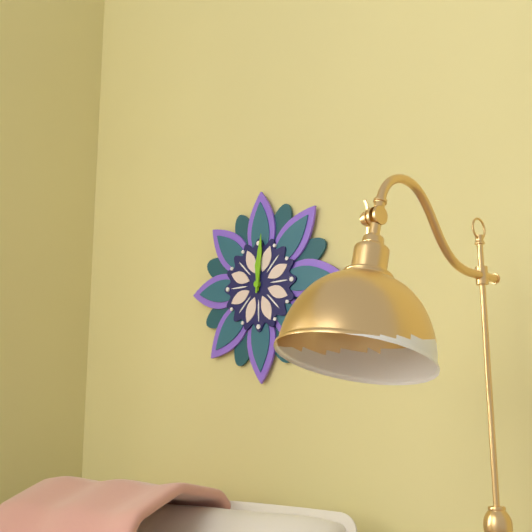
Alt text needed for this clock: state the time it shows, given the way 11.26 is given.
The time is 12.01
